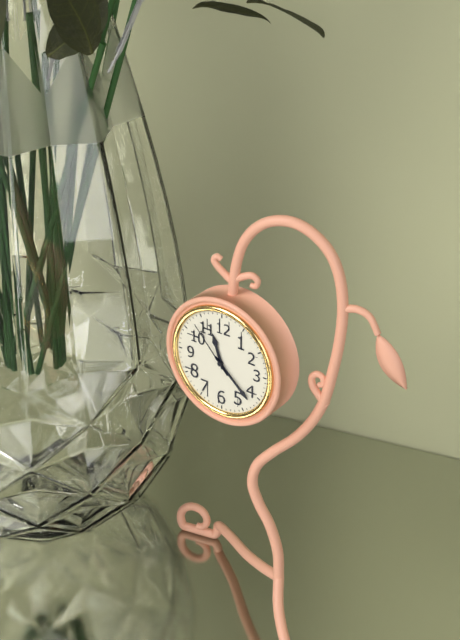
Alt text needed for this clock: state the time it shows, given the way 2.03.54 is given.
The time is 11.22.53
